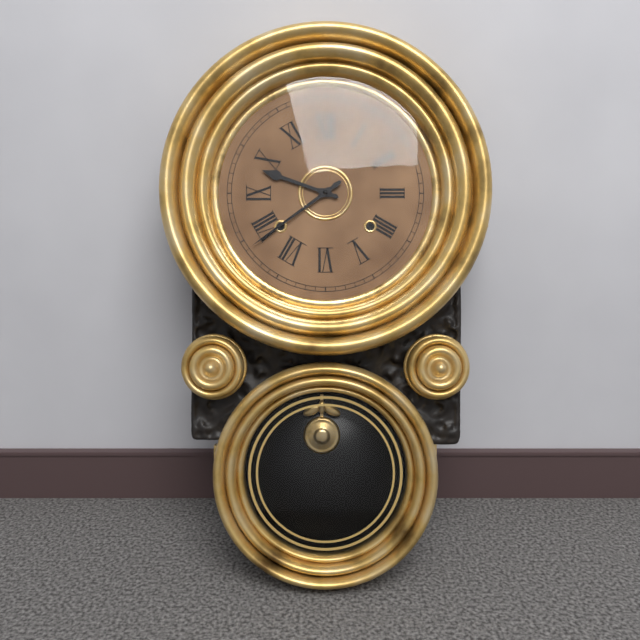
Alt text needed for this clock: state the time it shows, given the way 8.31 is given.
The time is 9.39
